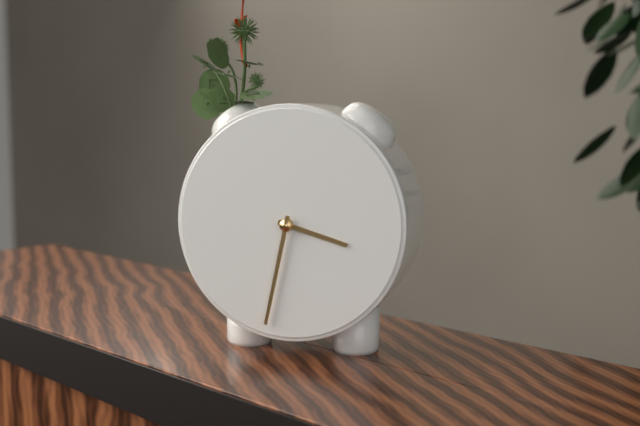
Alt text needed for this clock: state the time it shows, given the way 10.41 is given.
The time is 3.32
